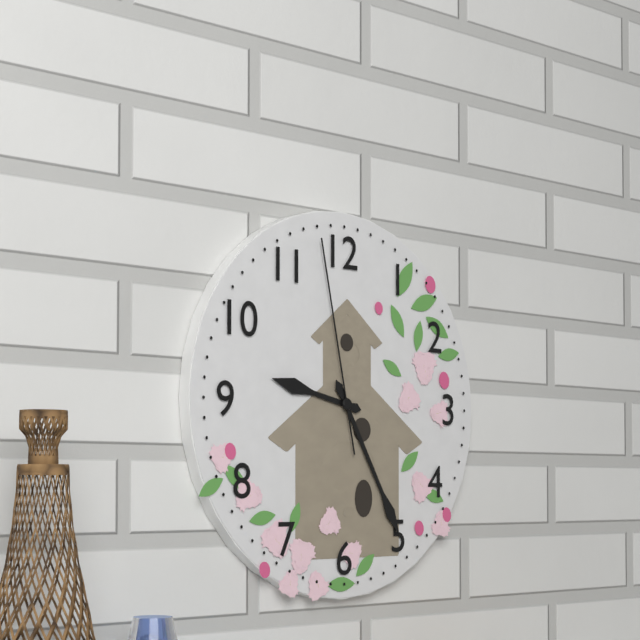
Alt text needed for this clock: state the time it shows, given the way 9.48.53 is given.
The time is 9.25.58
